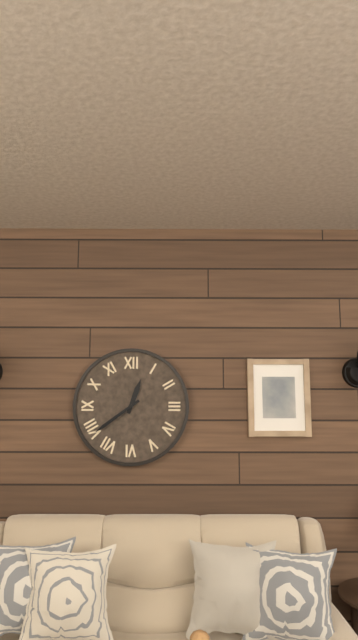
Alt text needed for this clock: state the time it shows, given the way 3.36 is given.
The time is 12.39
